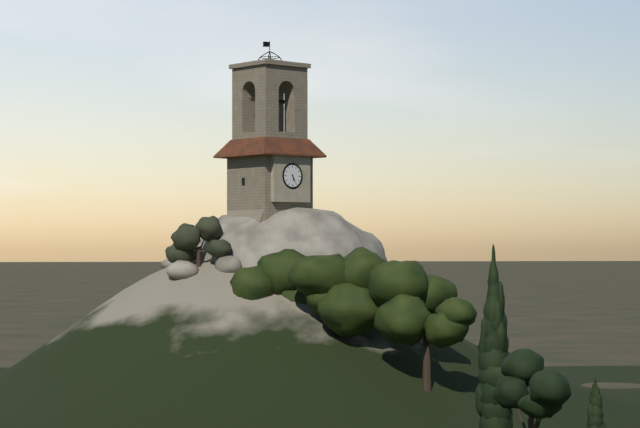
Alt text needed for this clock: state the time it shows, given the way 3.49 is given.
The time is 5.25
